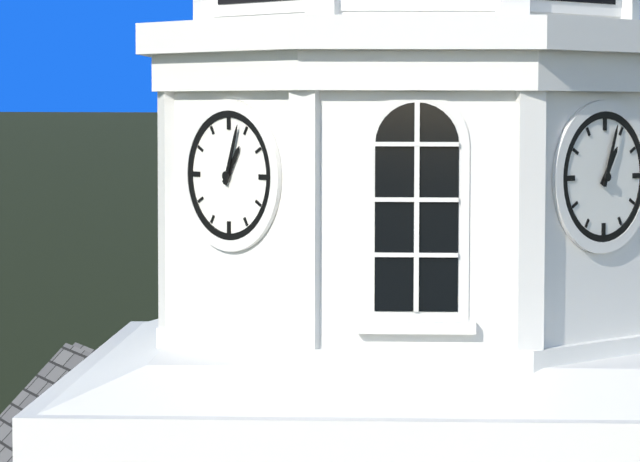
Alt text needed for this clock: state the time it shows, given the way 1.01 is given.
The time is 1.03
